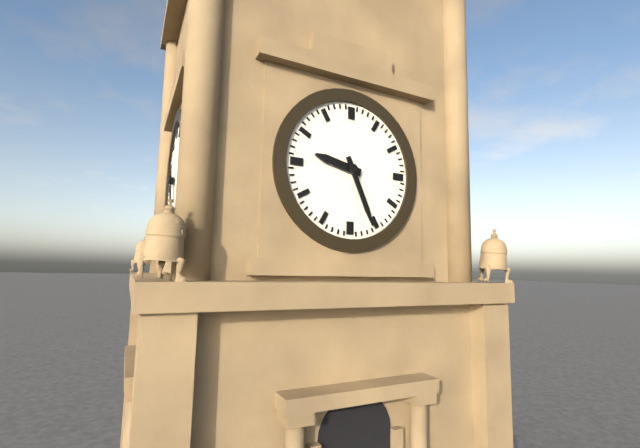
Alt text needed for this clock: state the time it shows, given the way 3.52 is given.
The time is 9.26
